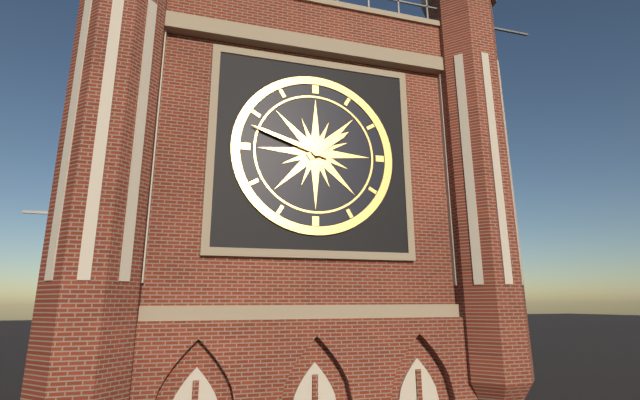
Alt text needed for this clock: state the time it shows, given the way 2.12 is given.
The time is 1.48
